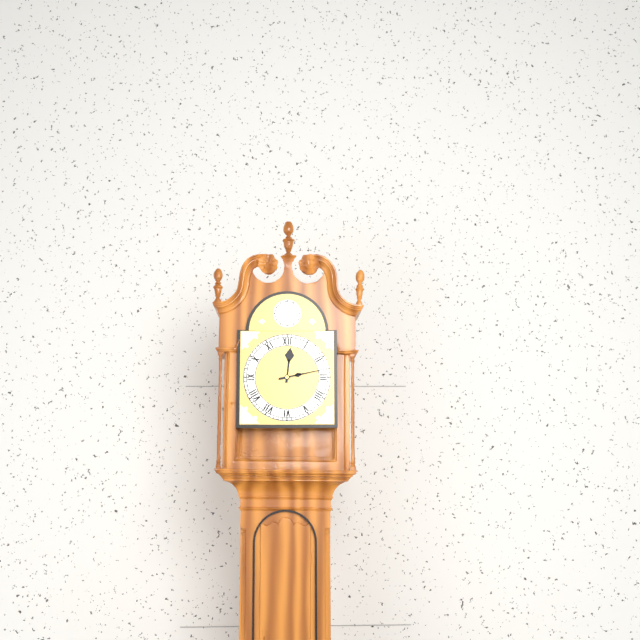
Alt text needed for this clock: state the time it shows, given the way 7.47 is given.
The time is 12.13
